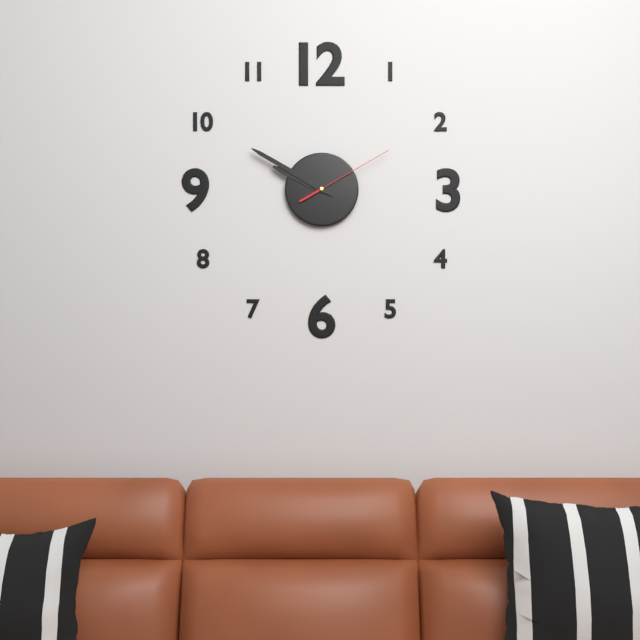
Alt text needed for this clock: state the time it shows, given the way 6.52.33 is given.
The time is 9.50.10
